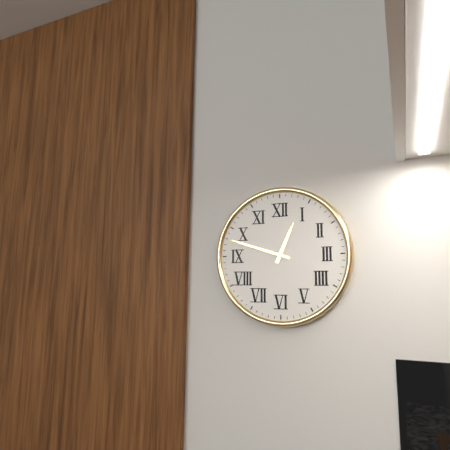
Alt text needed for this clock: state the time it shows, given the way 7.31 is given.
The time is 12.48
